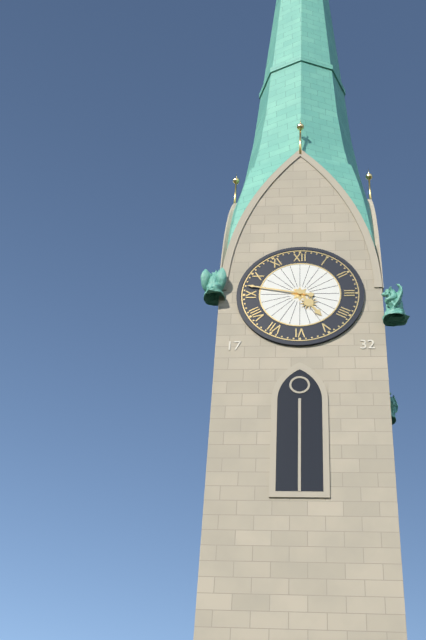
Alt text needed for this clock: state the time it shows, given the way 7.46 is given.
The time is 4.47
